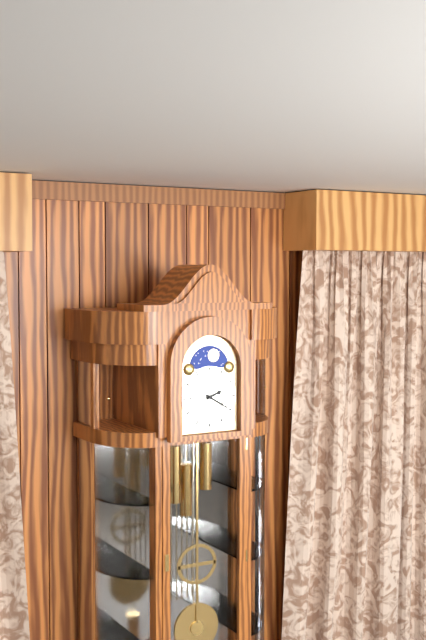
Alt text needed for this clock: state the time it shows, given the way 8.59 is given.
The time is 2.20
